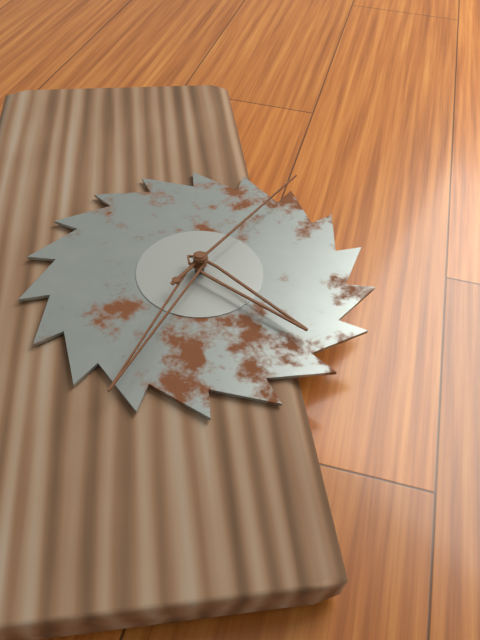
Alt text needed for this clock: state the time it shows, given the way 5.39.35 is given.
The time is 4.35.07
